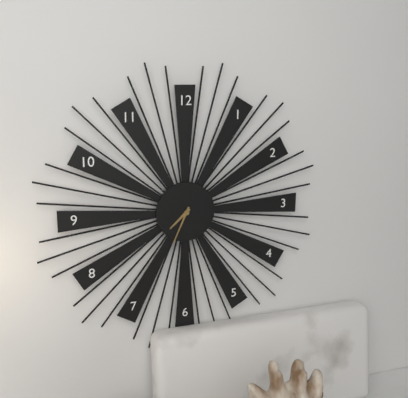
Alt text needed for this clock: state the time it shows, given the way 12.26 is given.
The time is 7.34
